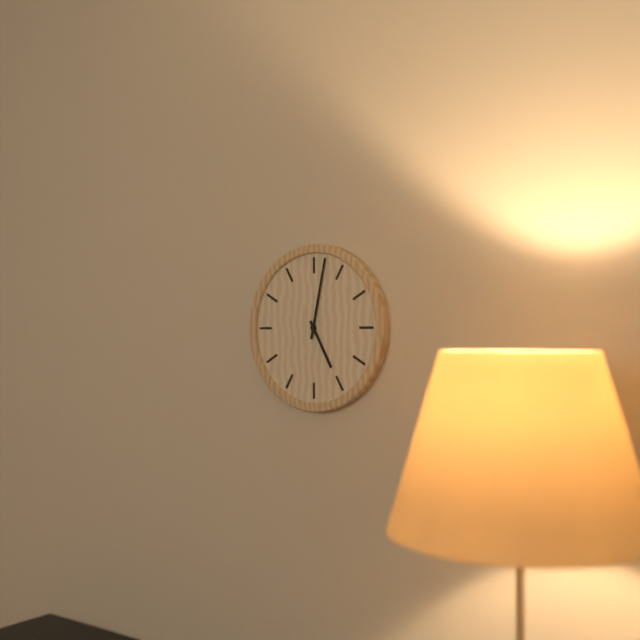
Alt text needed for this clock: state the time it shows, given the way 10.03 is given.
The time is 5.02
